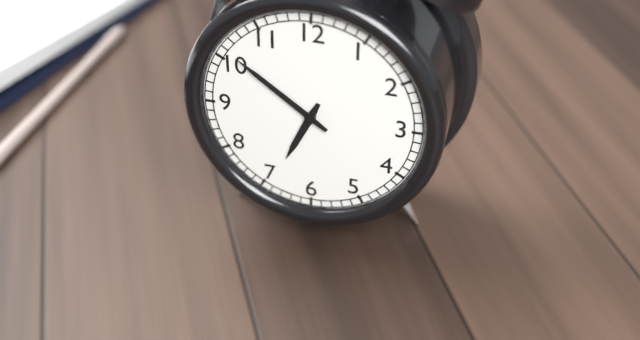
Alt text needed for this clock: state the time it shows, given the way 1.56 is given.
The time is 6.51
